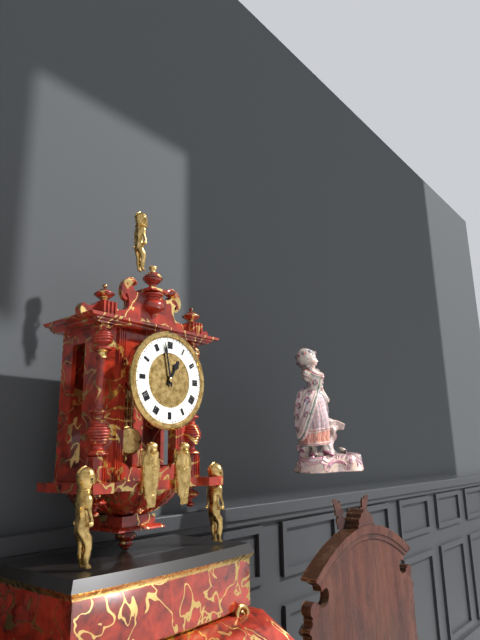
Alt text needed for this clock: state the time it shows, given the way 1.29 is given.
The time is 12.58
